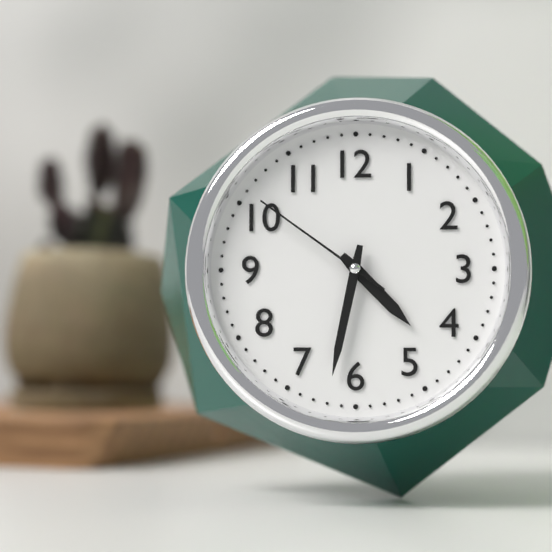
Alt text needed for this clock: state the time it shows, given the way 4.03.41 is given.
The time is 4.32.51
